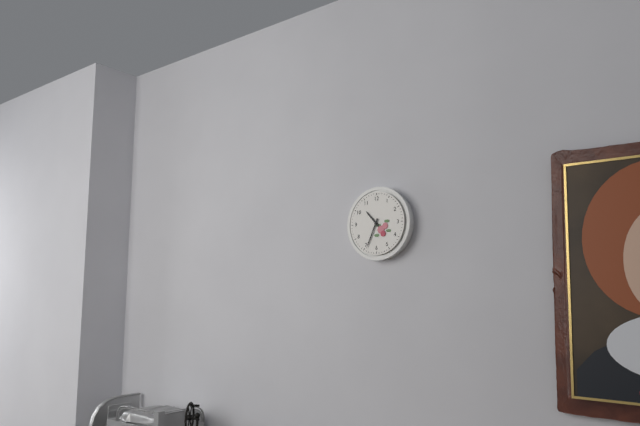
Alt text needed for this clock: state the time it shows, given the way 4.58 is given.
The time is 10.34
